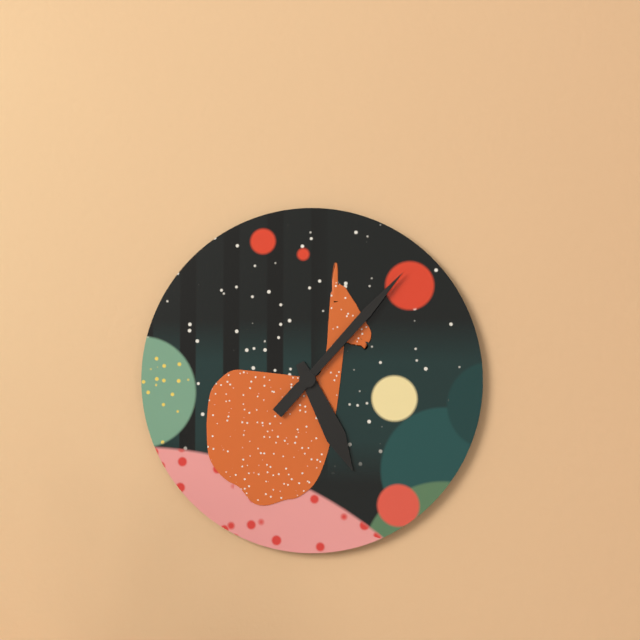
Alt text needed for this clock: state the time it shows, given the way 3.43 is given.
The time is 5.07
